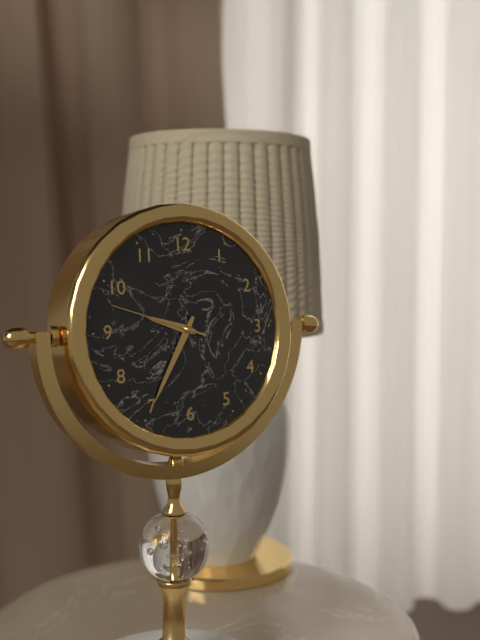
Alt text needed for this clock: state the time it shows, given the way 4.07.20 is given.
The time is 9.35.48
